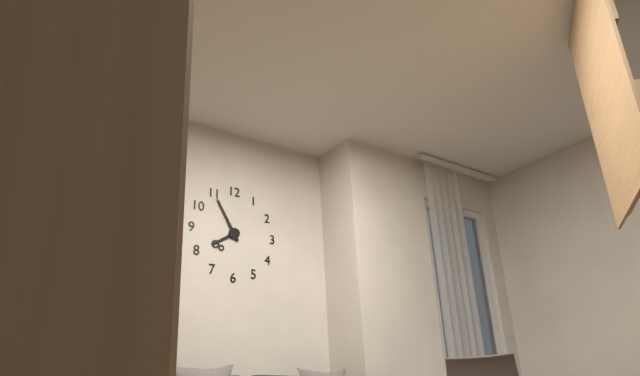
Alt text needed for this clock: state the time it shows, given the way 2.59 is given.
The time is 7.55
